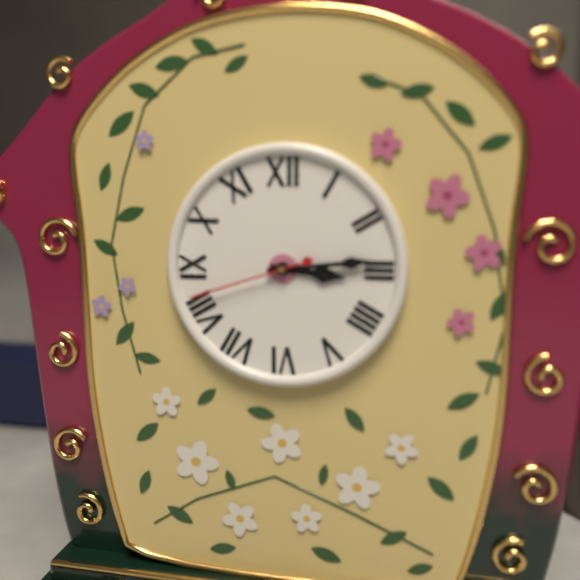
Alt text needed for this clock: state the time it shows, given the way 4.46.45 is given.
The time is 3.14.42
